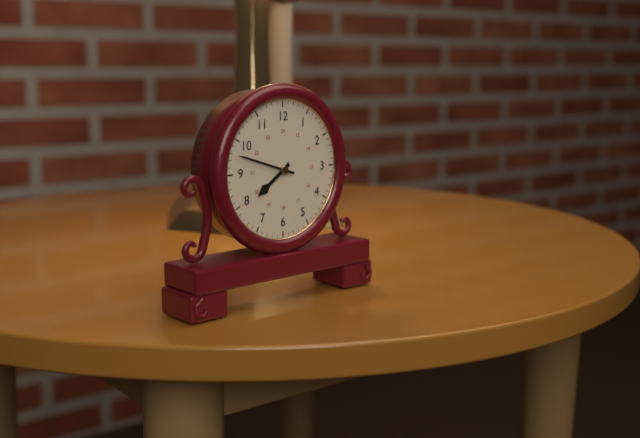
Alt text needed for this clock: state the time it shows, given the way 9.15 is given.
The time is 7.48
